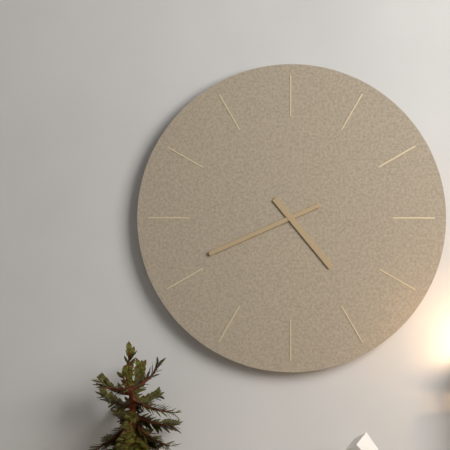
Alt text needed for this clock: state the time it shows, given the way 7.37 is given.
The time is 4.41
